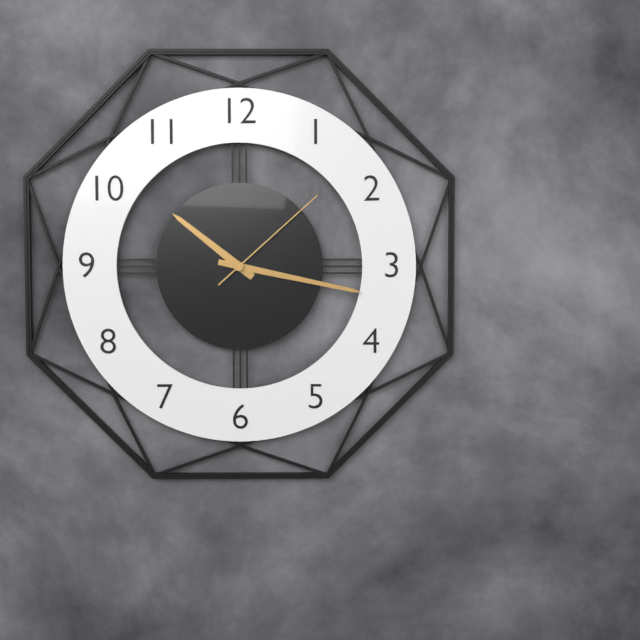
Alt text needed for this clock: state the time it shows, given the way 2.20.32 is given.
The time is 10.17.08
